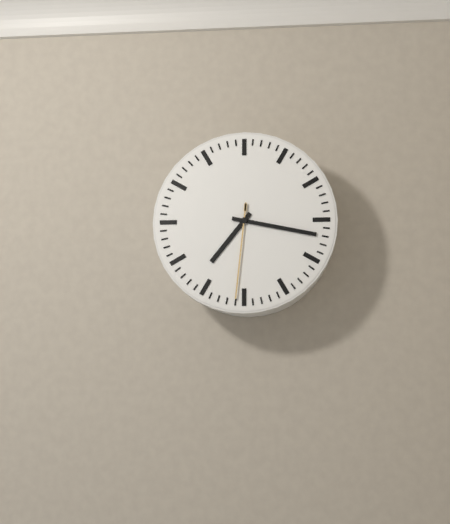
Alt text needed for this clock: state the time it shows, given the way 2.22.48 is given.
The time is 7.17.31
